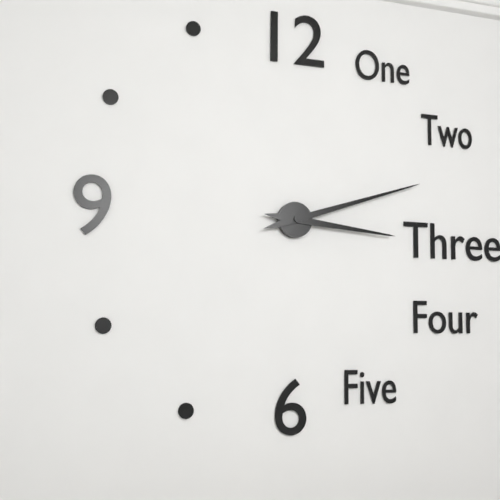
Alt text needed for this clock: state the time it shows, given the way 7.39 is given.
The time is 3.12
